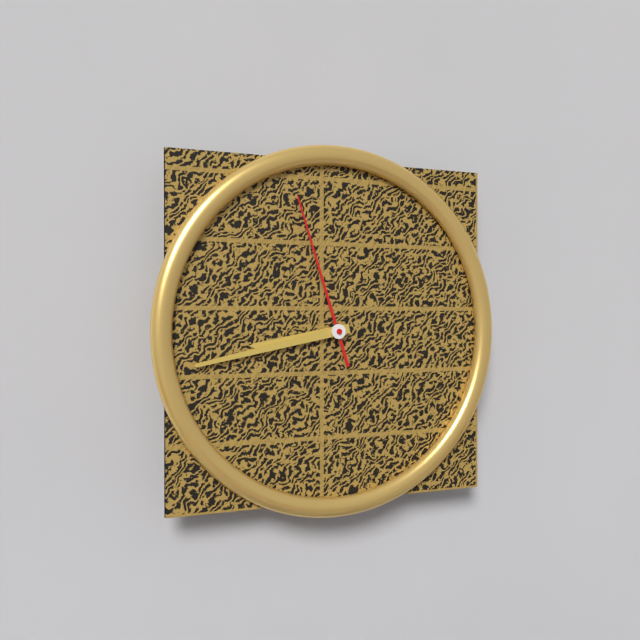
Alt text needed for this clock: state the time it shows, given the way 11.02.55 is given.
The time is 8.43.57
